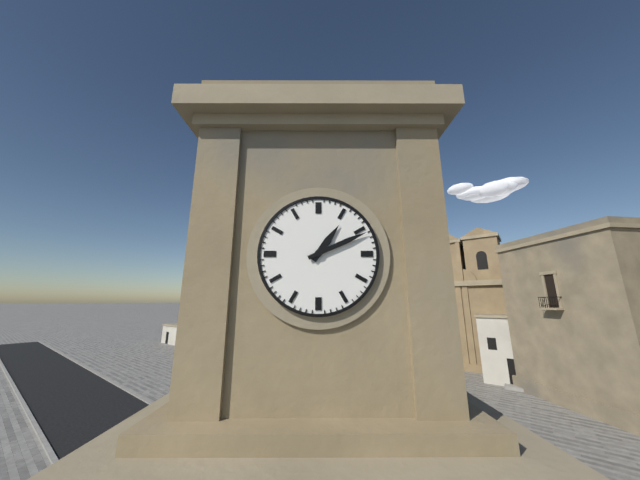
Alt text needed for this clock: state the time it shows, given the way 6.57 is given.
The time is 1.11
